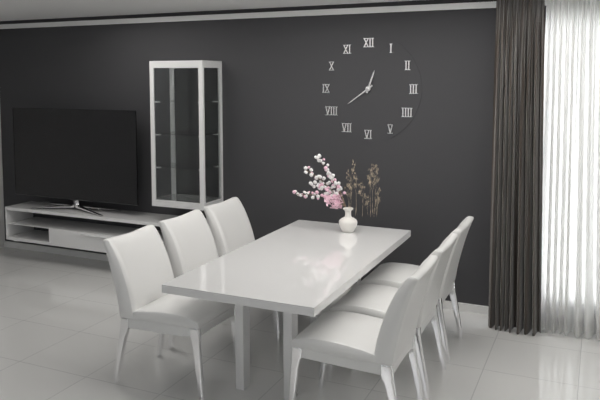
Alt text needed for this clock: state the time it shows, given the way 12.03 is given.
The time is 12.39
